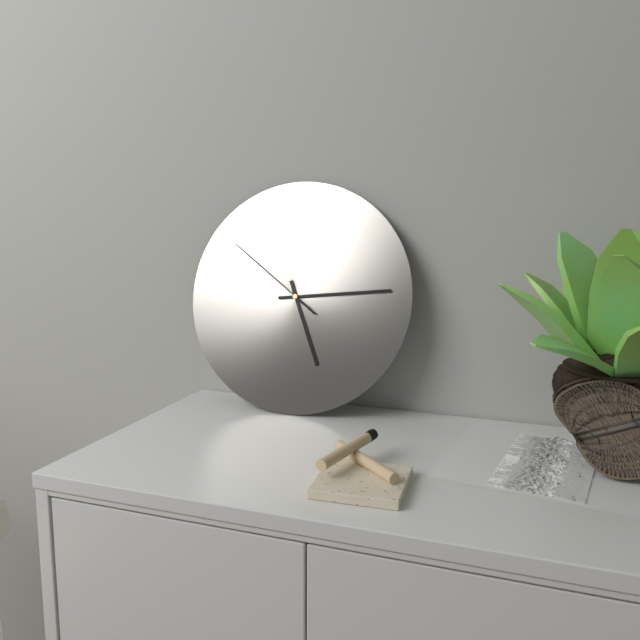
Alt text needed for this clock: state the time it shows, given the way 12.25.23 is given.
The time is 5.14.51
